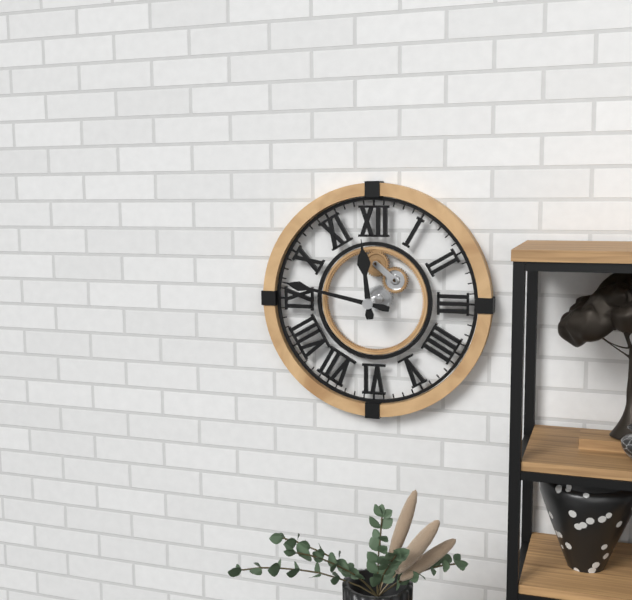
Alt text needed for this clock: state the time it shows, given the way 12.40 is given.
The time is 11.47
